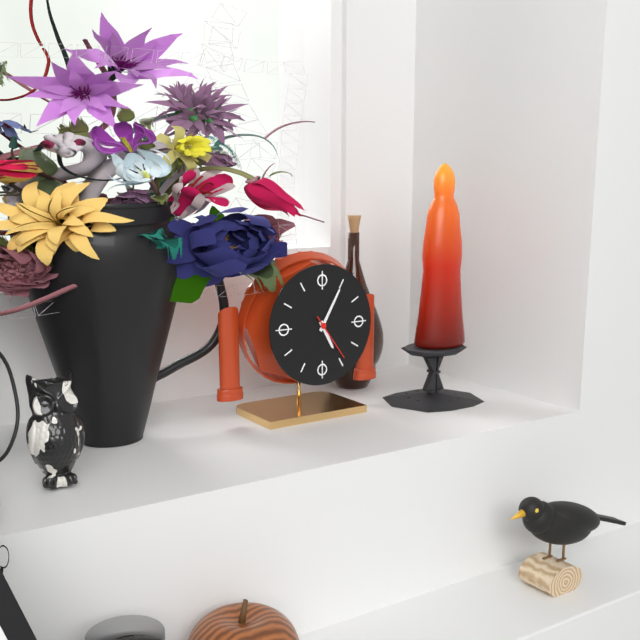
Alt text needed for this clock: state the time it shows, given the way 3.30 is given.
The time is 5.05
